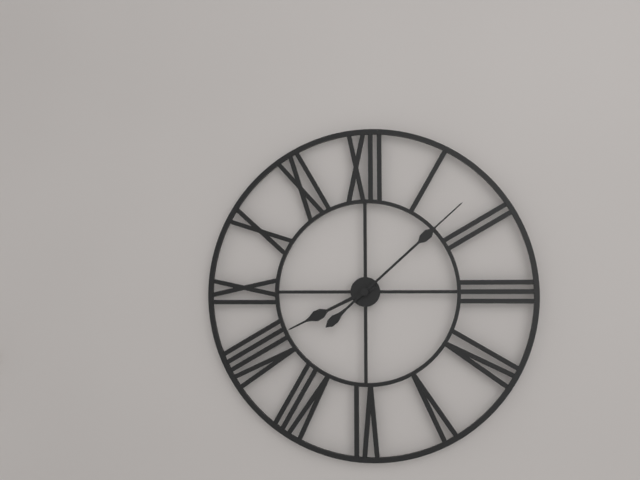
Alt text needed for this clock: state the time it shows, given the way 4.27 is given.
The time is 8.08
